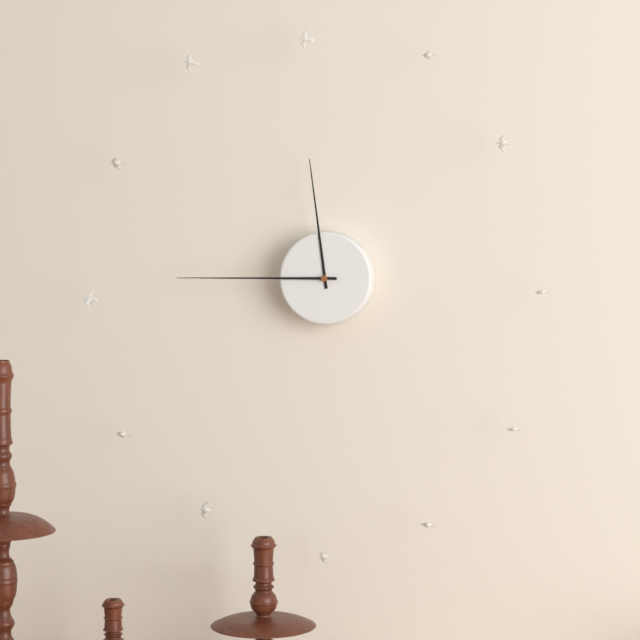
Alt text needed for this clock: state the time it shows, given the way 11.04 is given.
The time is 11.45
